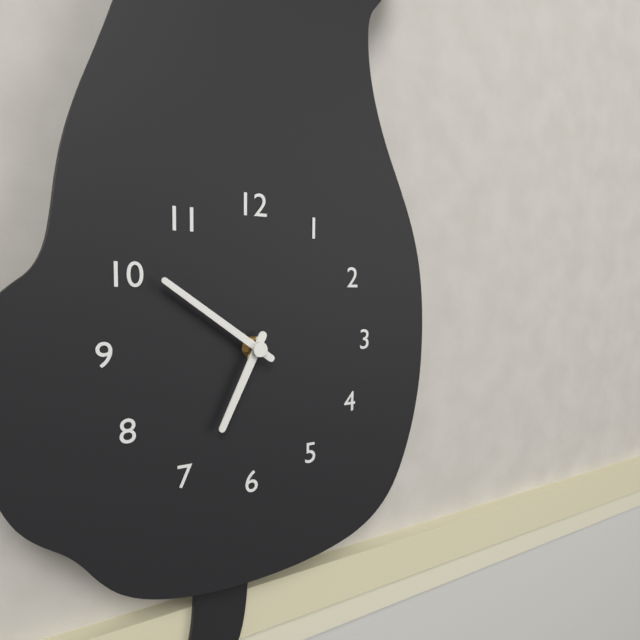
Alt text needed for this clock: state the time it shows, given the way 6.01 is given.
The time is 6.51
